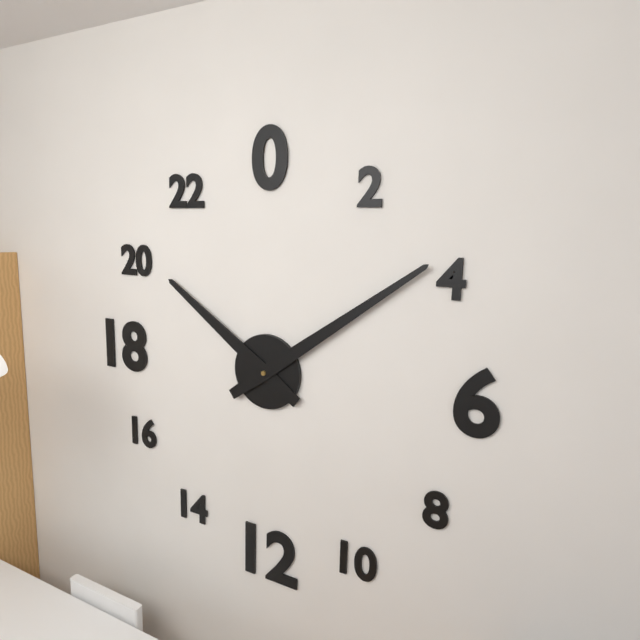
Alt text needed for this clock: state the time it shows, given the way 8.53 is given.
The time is 10.09
